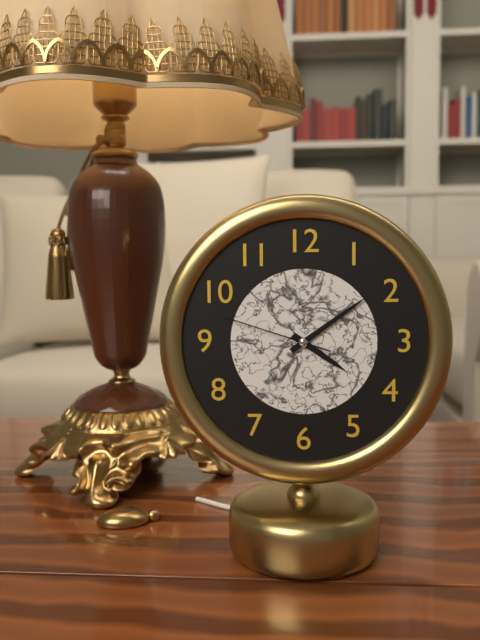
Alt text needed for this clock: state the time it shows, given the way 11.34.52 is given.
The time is 4.09.48
